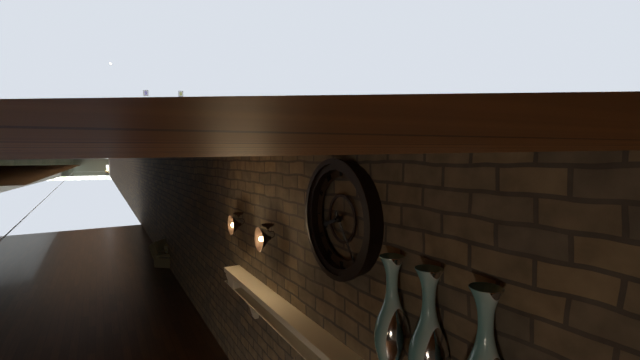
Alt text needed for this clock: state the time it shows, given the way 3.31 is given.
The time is 8.24
